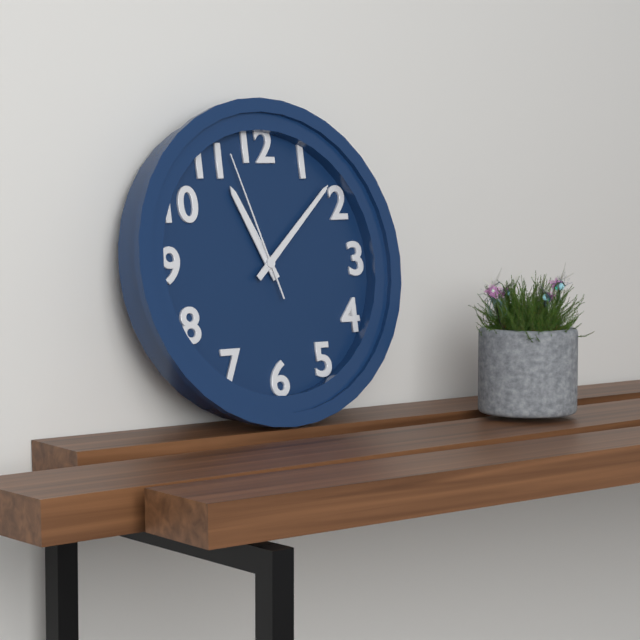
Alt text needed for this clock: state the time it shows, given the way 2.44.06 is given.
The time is 11.08.57
